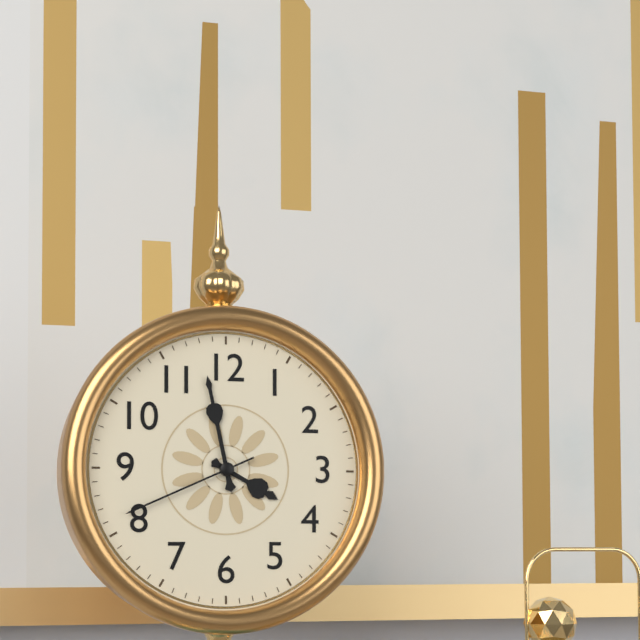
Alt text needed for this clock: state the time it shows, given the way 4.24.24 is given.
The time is 3.58.41
